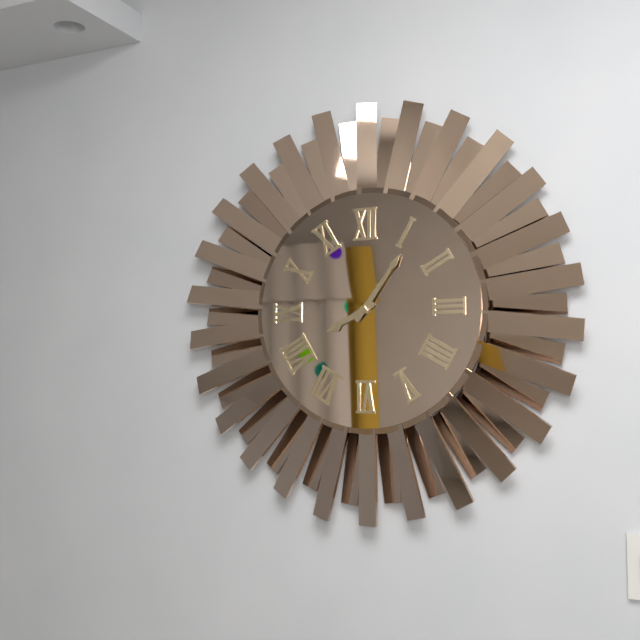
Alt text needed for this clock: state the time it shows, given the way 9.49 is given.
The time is 8.06
